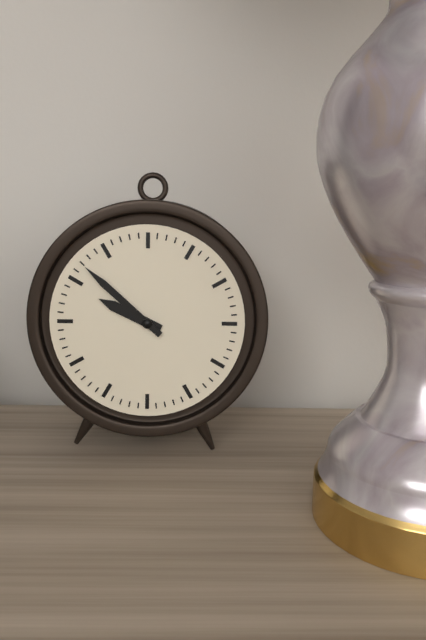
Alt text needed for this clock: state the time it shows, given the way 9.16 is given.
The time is 9.52
